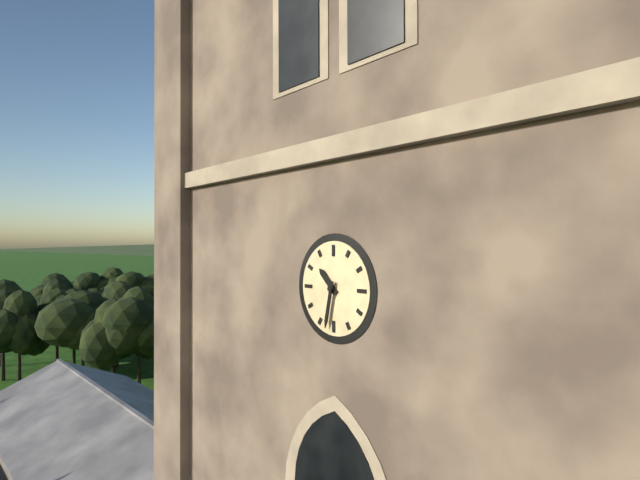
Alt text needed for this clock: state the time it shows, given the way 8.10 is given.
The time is 10.32
